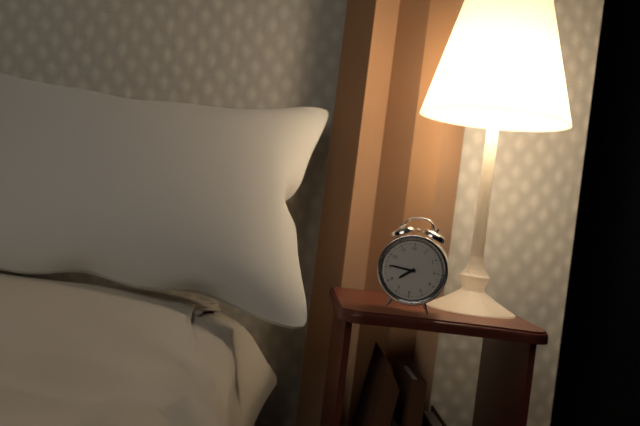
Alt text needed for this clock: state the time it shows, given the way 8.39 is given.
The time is 7.46
